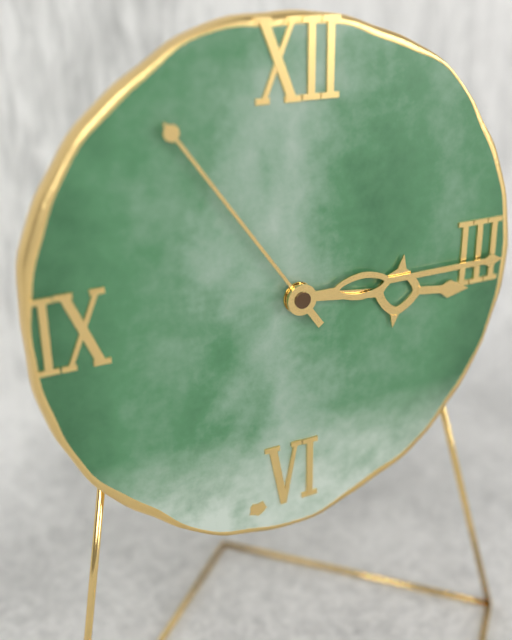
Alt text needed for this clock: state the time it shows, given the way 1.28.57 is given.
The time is 3.15.54
